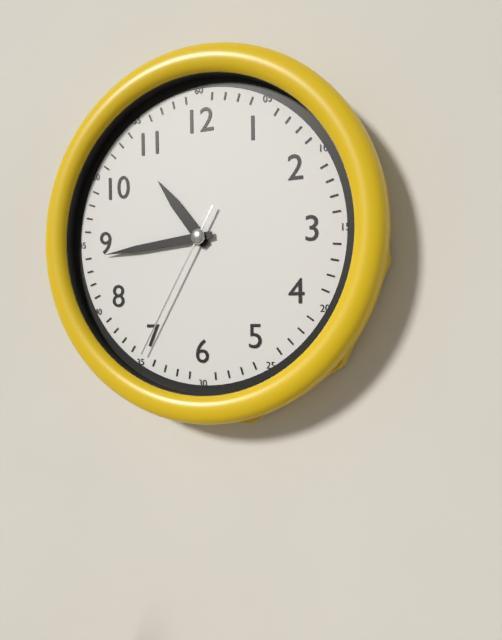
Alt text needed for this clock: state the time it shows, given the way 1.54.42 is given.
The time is 10.44.35
